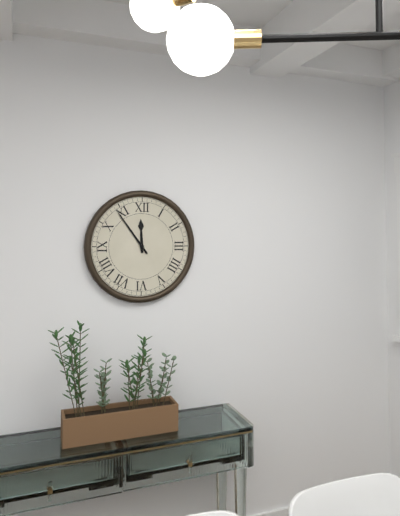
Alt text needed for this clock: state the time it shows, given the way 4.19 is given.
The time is 11.54
